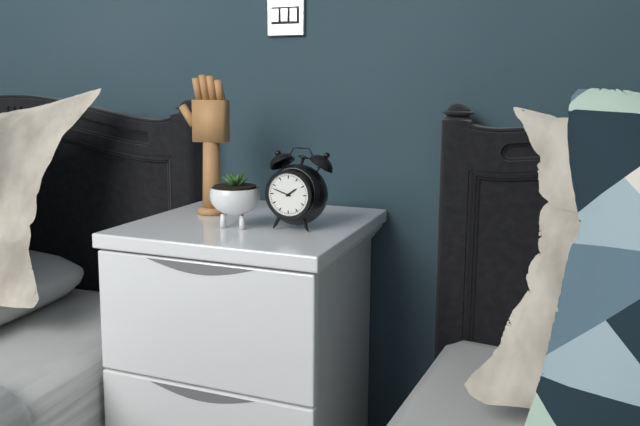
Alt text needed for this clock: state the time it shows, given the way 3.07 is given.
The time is 1.48
